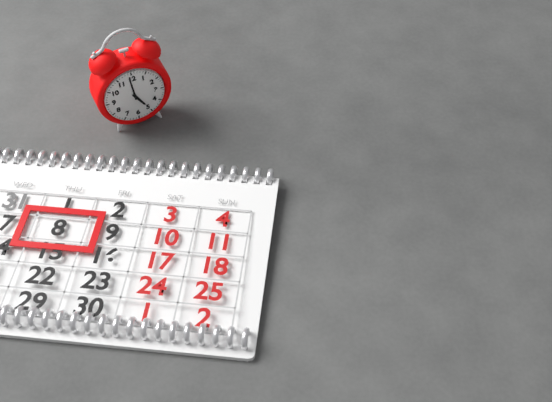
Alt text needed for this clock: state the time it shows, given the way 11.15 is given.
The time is 4.59
